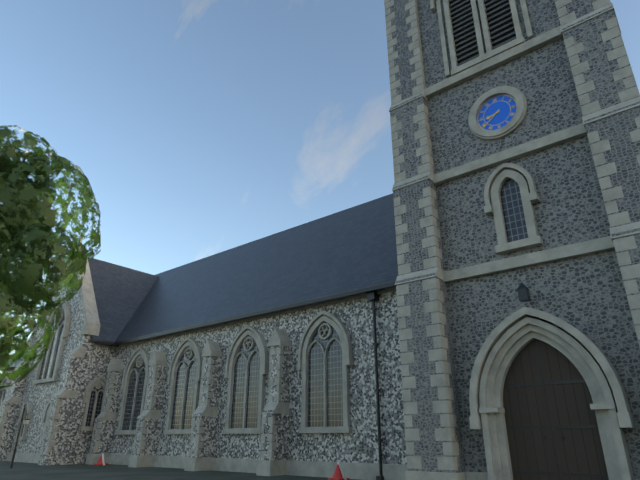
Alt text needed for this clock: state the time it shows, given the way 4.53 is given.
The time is 8.39
